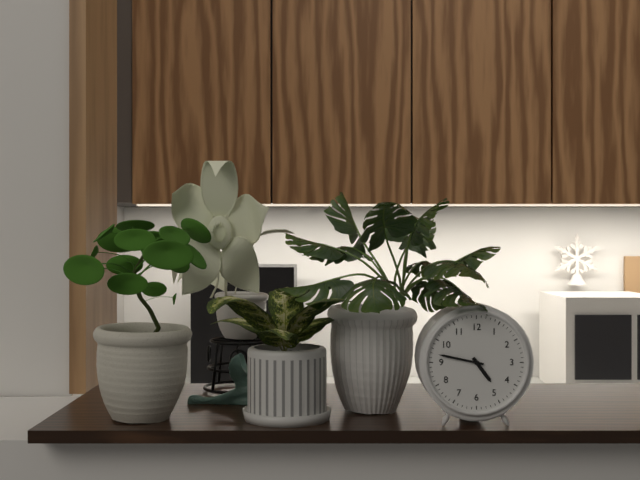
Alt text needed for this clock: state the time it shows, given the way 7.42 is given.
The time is 4.47
